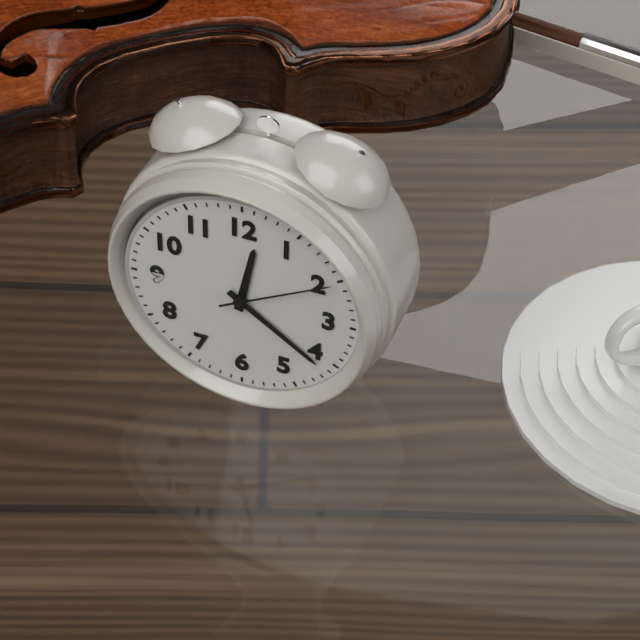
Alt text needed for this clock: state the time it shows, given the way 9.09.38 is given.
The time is 12.21.10
